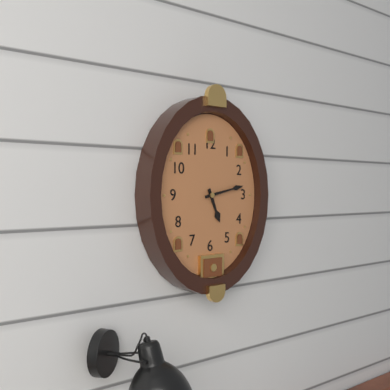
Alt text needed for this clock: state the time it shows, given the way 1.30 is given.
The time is 5.13
